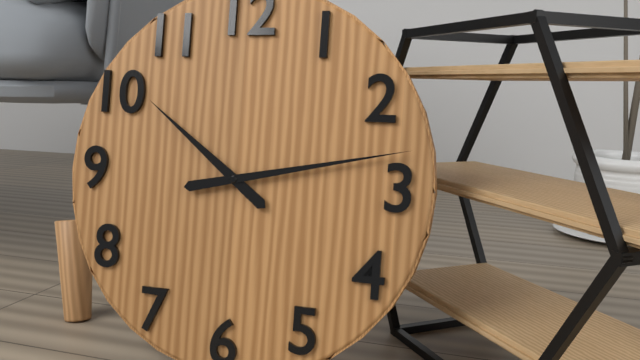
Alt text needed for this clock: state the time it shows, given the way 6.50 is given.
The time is 10.13
